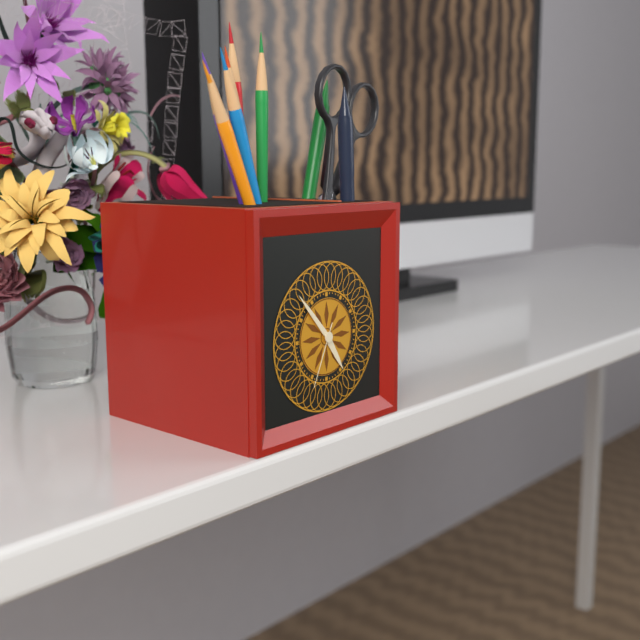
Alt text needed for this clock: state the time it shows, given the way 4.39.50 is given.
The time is 4.53.34
